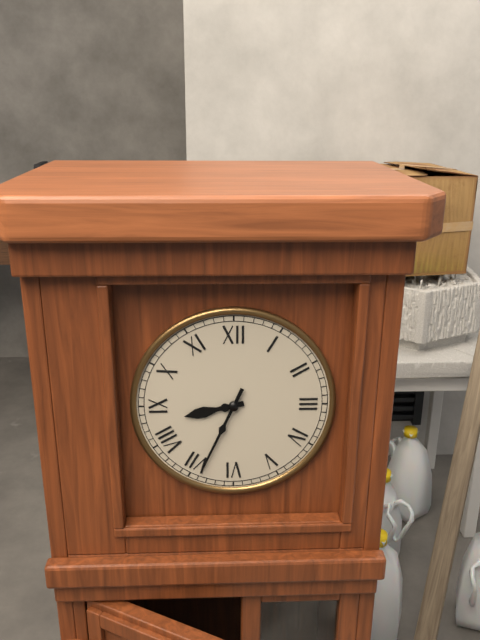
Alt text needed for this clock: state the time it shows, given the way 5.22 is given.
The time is 8.34
